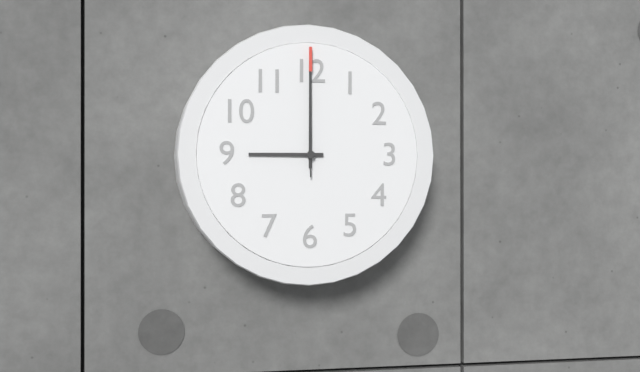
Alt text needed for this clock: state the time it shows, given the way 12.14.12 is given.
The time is 9.00.00
